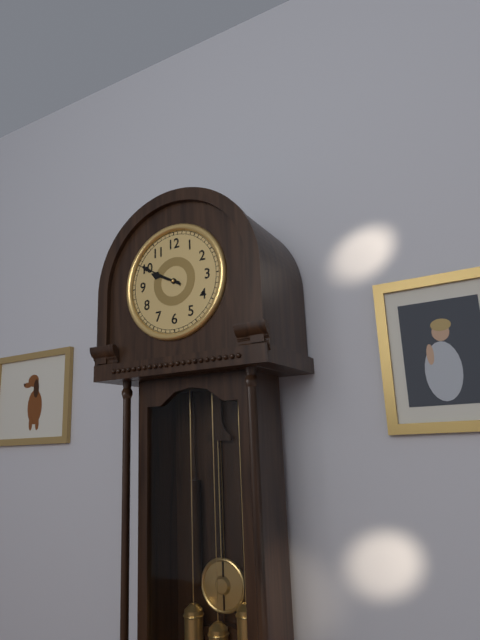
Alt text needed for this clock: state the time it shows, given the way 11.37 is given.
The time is 9.50
